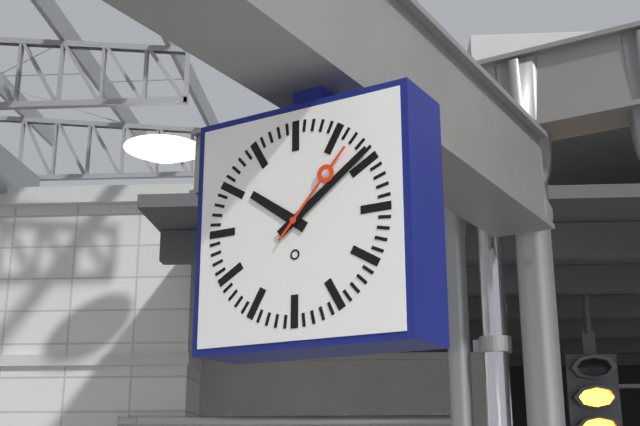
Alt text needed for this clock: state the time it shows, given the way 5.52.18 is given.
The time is 10.09.07
